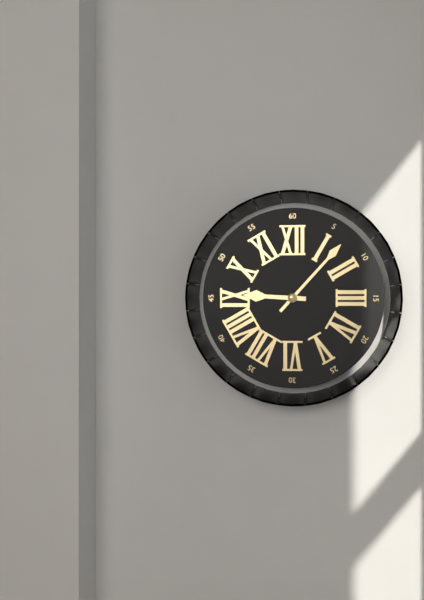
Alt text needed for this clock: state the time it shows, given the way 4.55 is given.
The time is 9.07
